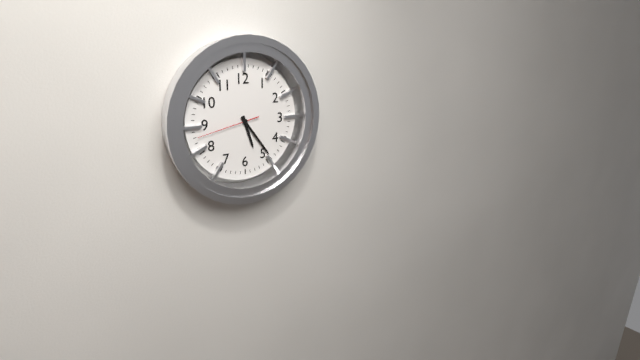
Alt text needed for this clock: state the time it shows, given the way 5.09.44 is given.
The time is 5.24.43
